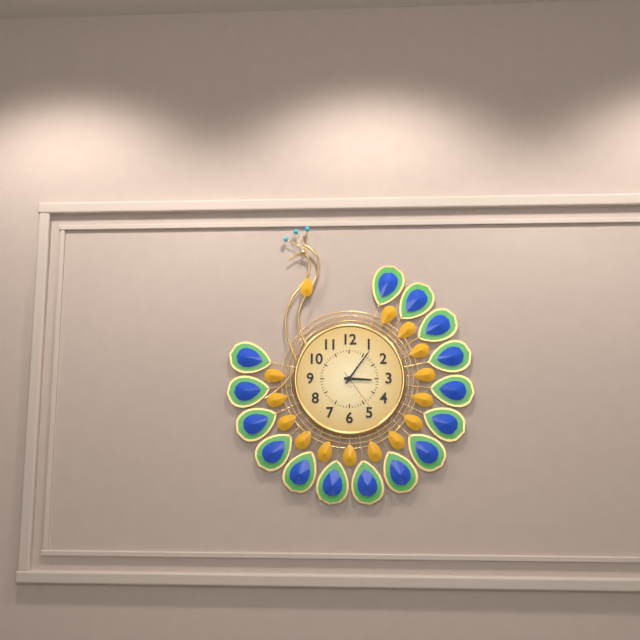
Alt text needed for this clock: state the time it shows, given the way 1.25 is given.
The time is 3.06
